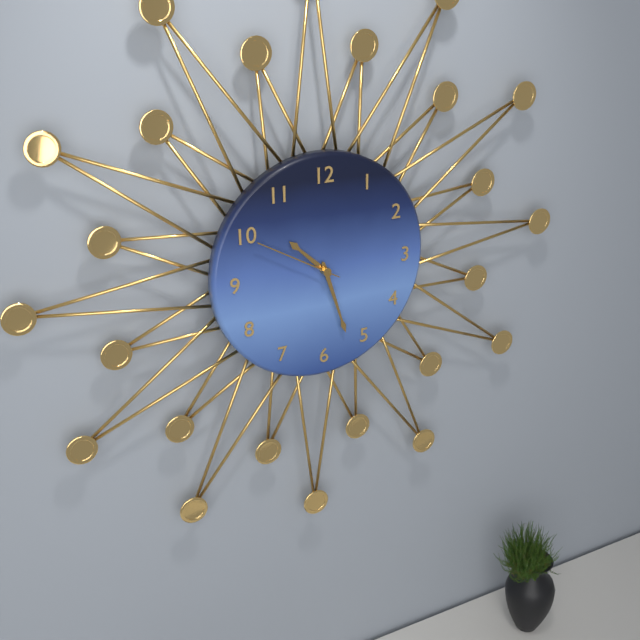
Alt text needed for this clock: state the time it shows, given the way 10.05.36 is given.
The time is 10.27.50
